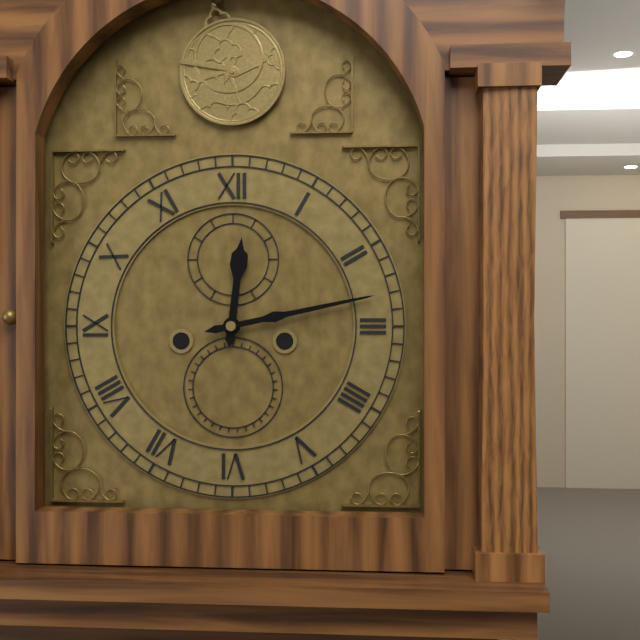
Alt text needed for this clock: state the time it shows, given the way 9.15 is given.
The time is 12.13
